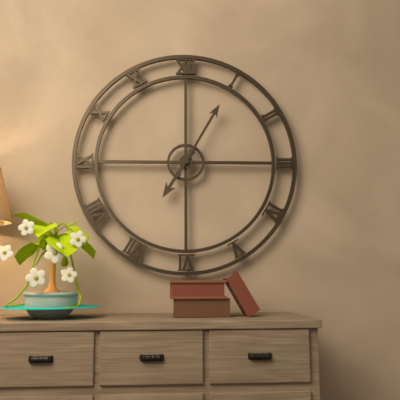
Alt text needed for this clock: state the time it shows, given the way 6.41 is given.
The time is 7.05
